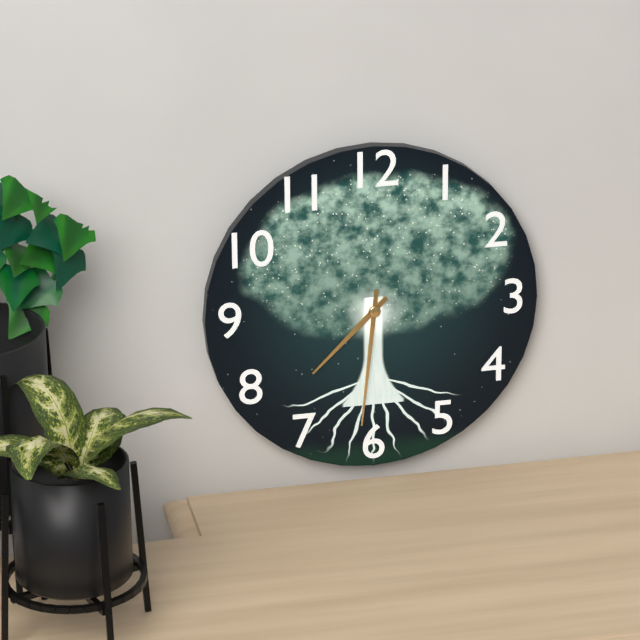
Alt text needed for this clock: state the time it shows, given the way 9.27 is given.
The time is 7.31
